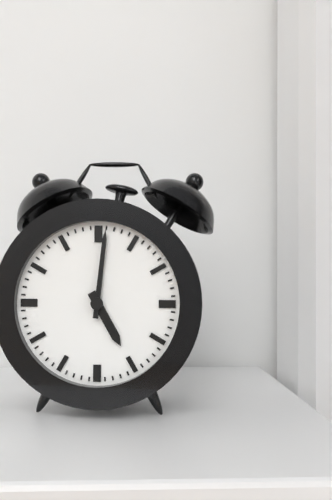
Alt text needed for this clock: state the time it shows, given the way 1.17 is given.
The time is 5.01
